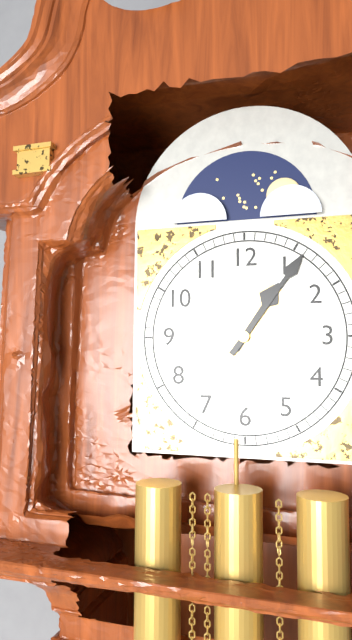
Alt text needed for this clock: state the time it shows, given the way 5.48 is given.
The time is 1.06
